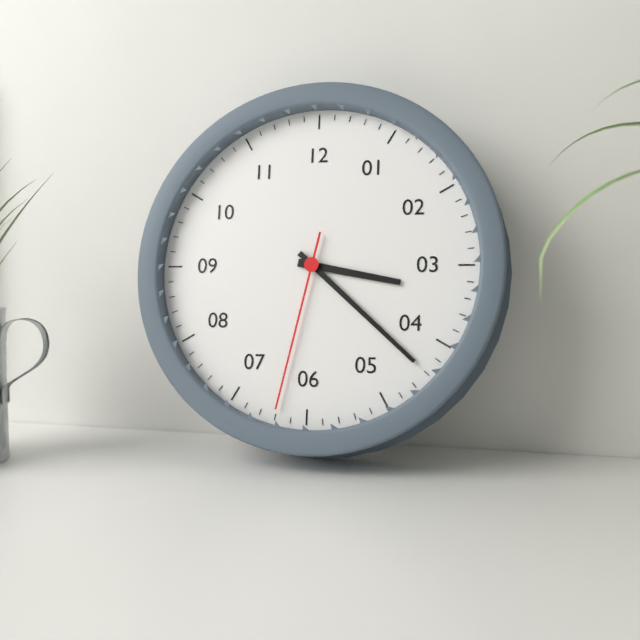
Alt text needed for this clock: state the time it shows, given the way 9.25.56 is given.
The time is 3.22.32
